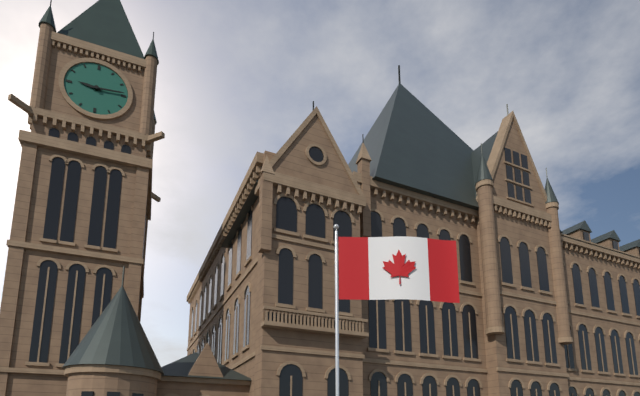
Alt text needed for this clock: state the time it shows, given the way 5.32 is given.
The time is 9.14
